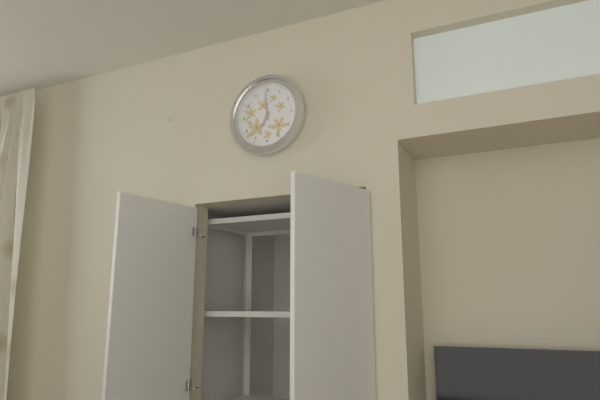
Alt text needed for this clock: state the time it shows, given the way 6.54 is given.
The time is 6.59
